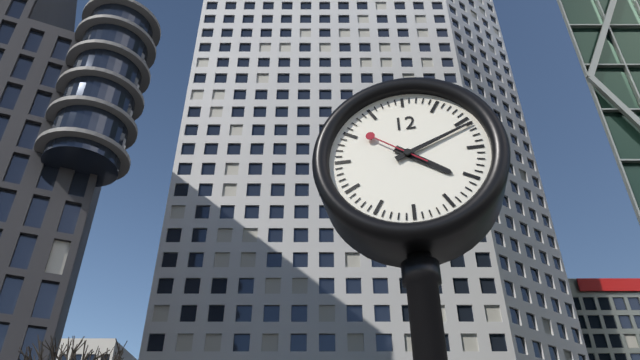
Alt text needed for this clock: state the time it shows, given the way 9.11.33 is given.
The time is 4.11.51
